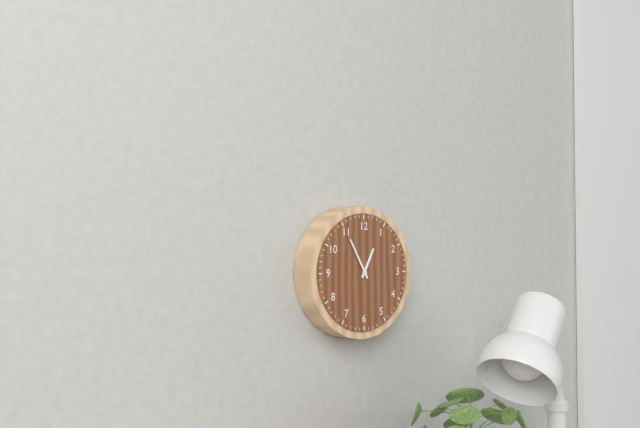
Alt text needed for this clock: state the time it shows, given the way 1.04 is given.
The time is 12.55
